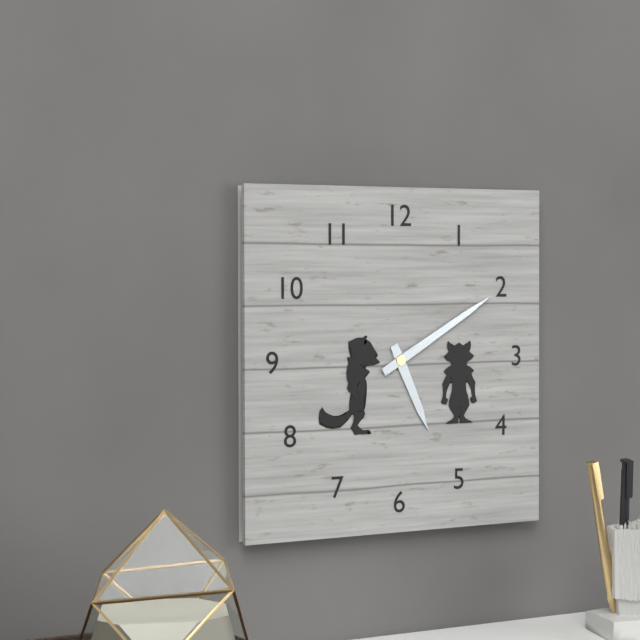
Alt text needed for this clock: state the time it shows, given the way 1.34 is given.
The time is 5.10
